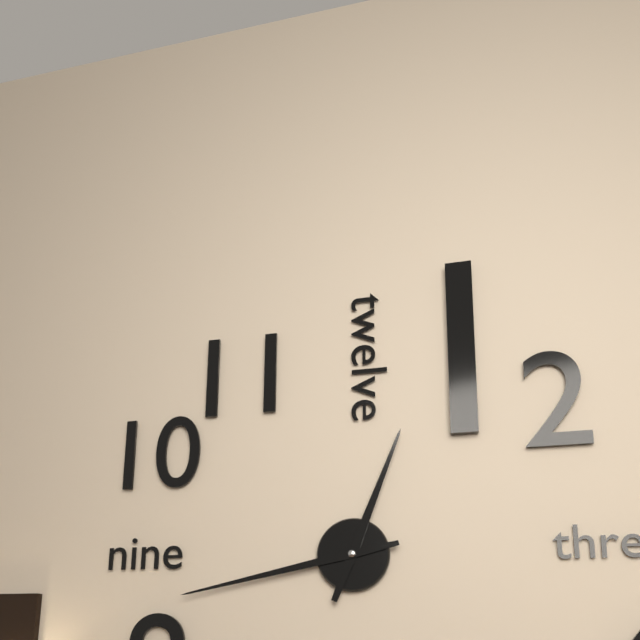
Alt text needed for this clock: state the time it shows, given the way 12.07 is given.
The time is 12.43
